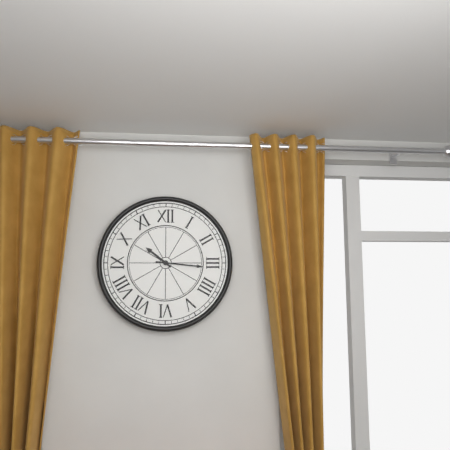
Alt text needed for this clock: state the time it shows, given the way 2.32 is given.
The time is 10.16
